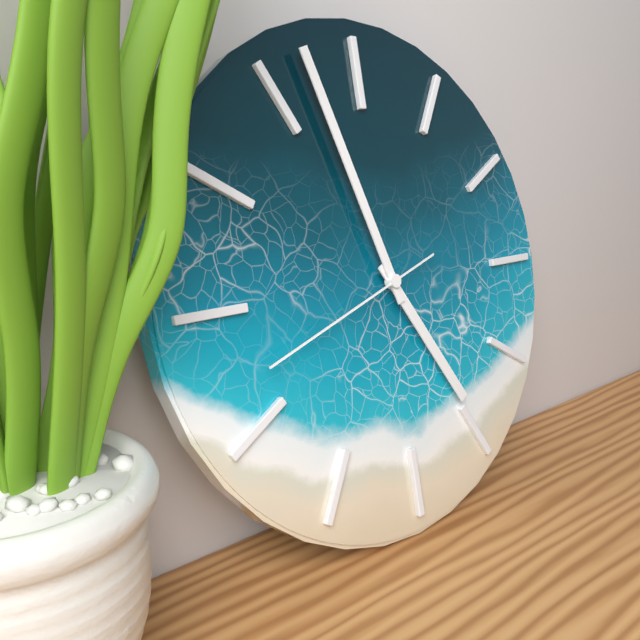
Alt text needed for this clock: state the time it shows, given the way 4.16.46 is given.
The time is 4.57.42
